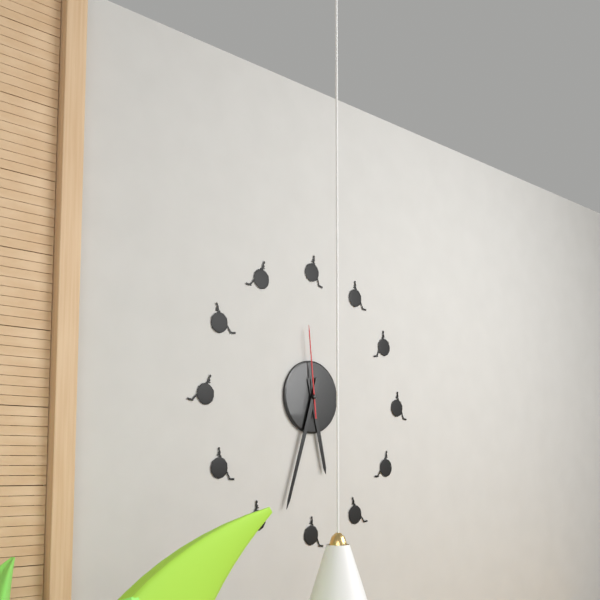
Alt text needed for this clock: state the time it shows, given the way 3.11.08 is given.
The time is 5.33.59
